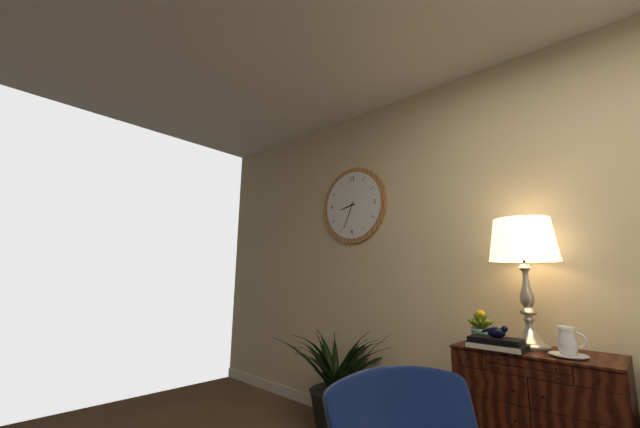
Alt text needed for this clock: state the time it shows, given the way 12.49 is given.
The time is 8.34
